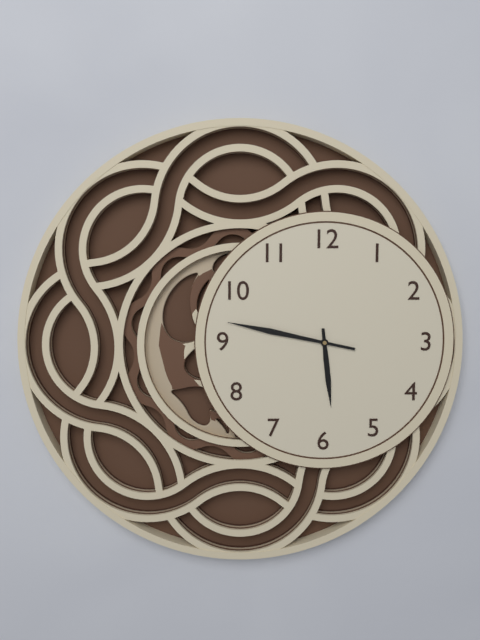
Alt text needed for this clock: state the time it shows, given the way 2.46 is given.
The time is 5.47
